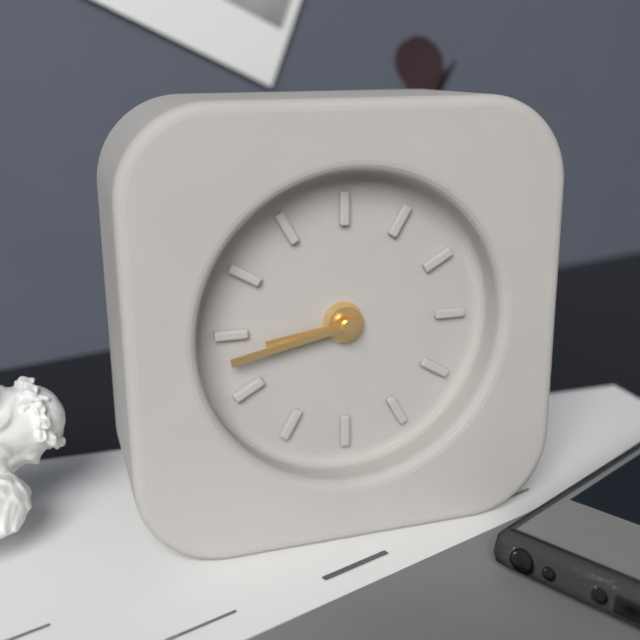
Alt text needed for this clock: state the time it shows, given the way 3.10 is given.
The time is 8.43
